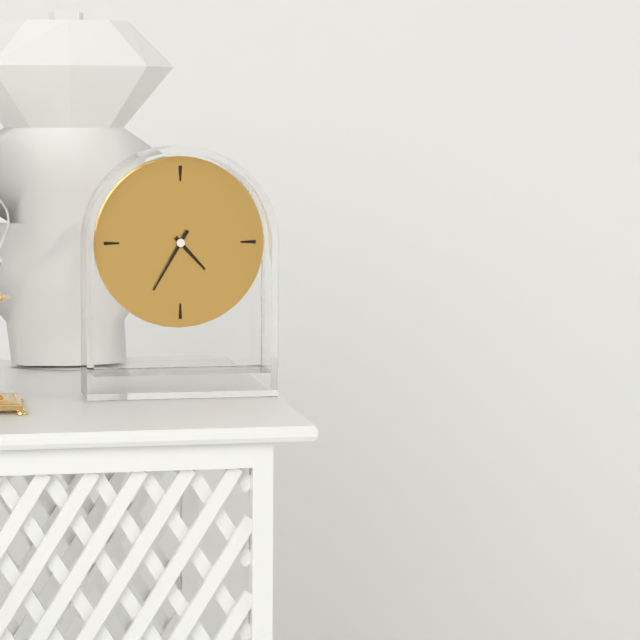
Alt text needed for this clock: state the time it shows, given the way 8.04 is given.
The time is 4.35
